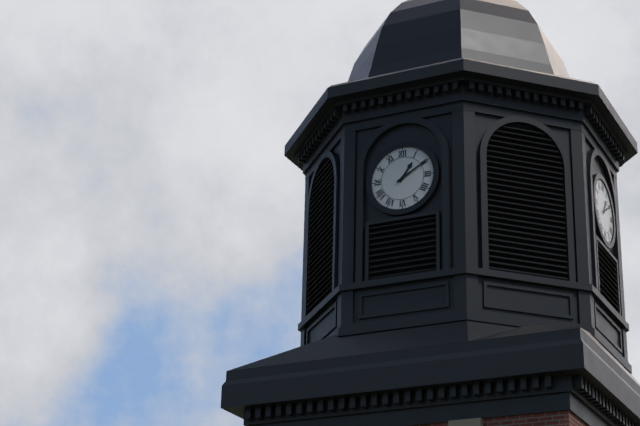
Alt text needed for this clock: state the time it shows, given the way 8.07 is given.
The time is 1.10
